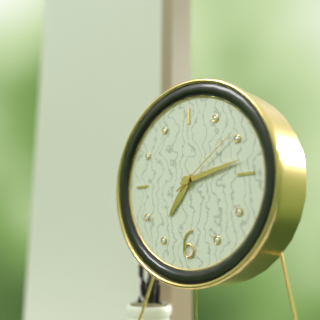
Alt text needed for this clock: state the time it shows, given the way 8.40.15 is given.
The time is 7.13.09
